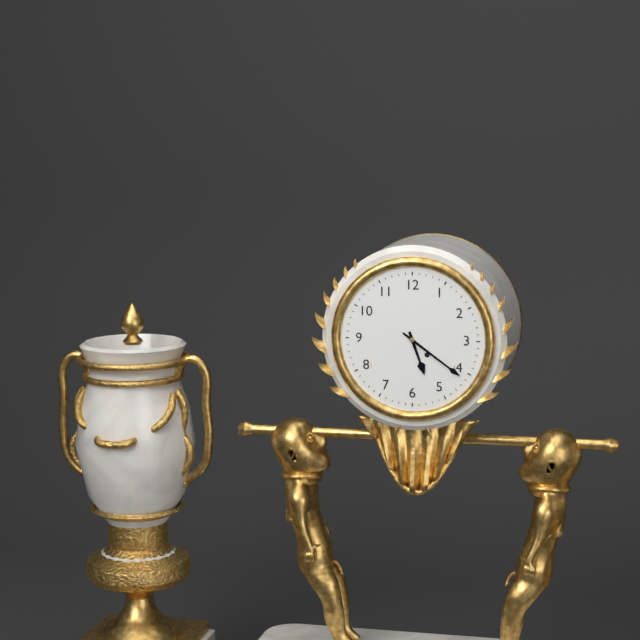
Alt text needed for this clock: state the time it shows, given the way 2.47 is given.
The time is 5.21
